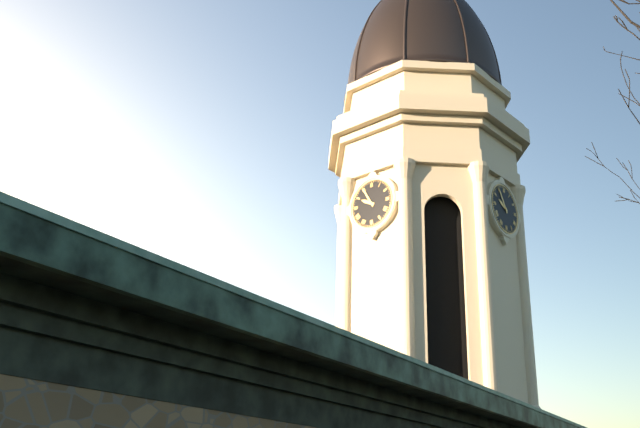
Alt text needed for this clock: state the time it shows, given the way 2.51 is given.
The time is 9.55
